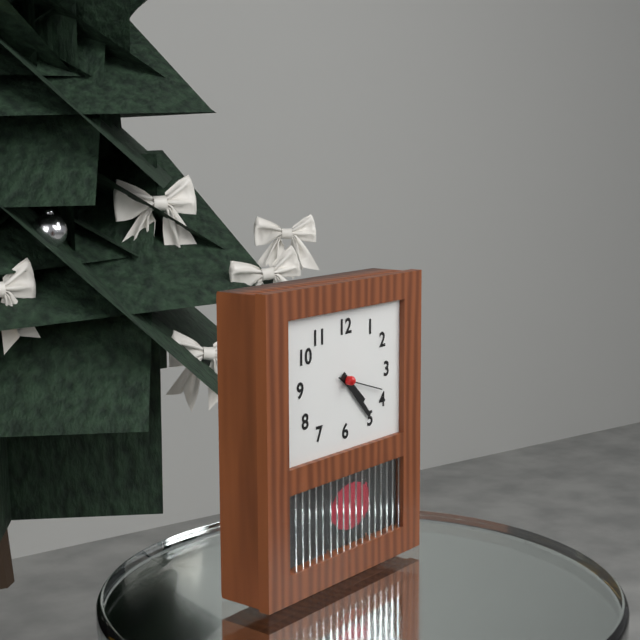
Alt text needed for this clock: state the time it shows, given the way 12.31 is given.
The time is 4.23
